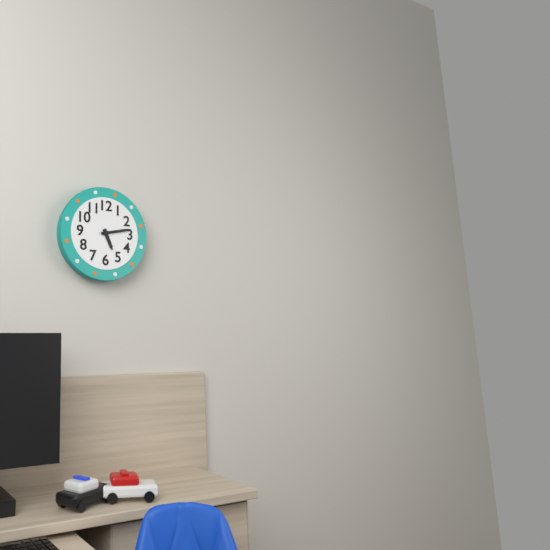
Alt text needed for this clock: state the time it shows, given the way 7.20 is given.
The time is 5.13
